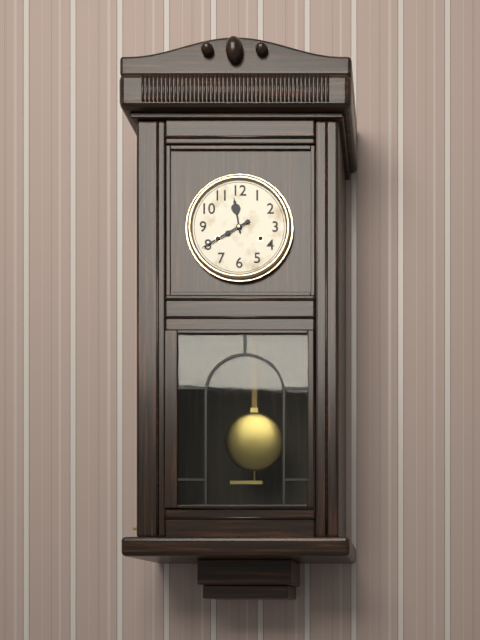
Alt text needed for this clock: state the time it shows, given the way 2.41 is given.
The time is 11.40
